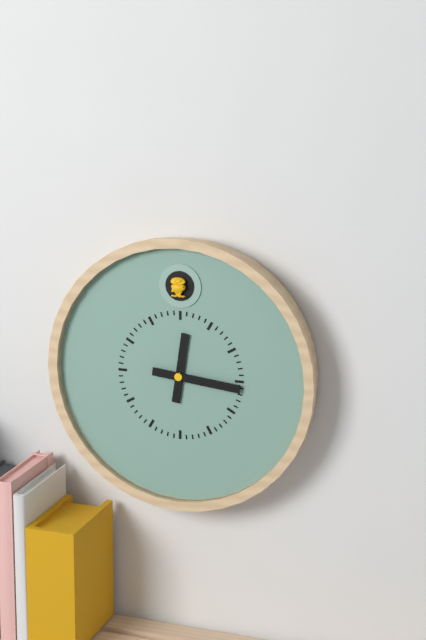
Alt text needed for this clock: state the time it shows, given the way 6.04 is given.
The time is 12.16
